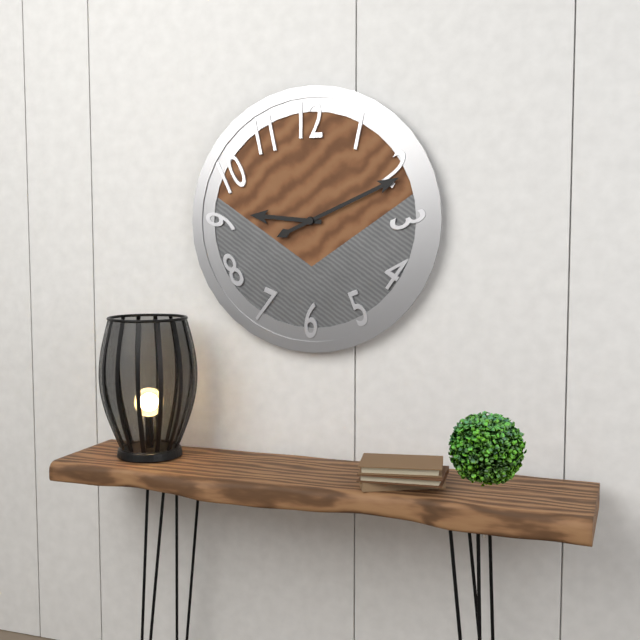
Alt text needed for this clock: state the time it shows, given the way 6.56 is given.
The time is 9.11
